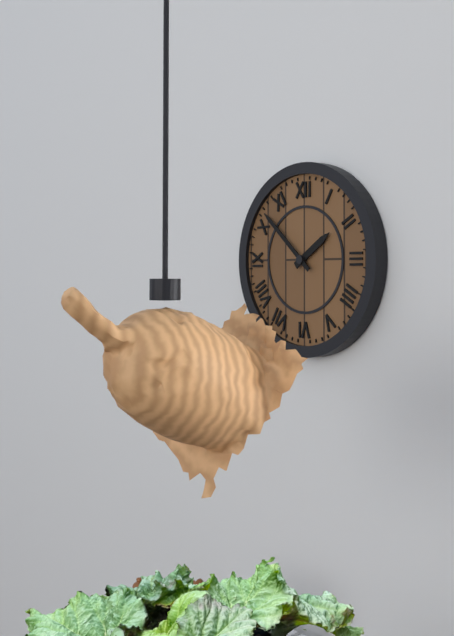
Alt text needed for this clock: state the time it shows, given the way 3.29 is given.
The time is 1.52
